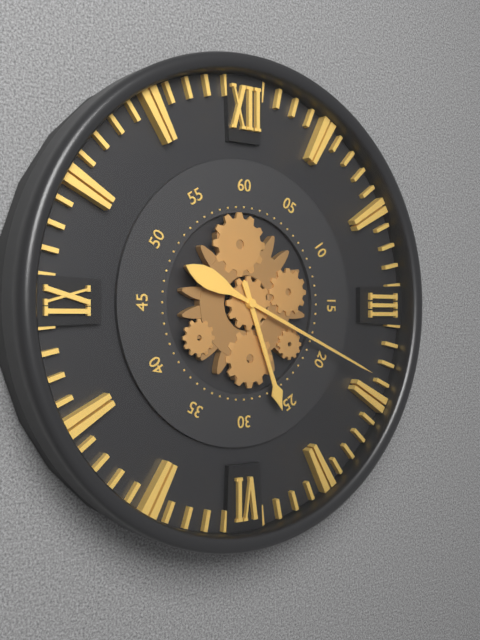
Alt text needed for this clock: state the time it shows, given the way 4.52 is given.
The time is 5.19
